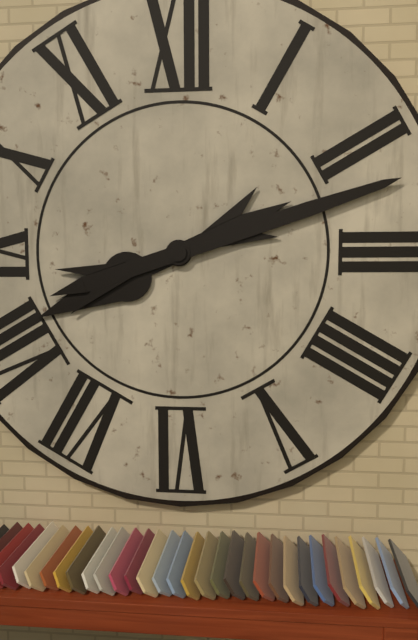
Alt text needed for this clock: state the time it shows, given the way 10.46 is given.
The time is 8.12
